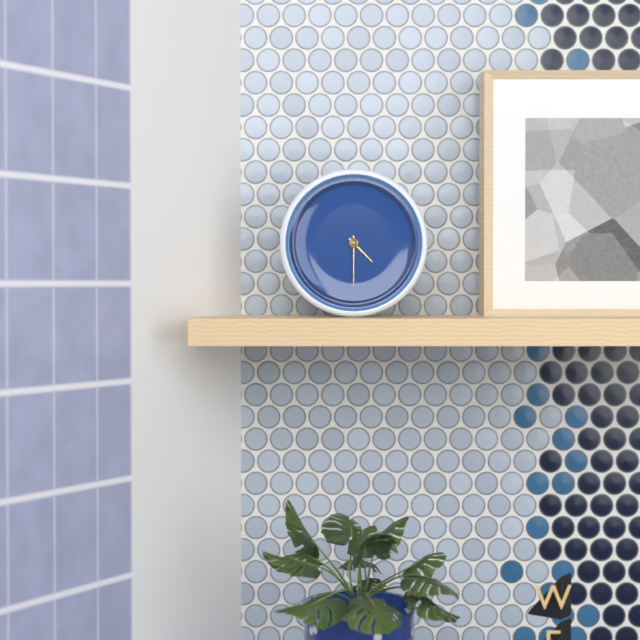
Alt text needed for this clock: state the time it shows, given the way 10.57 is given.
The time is 4.30
